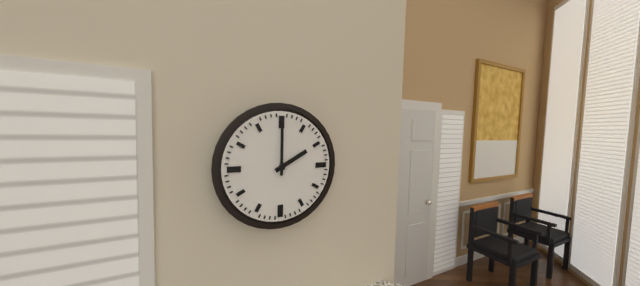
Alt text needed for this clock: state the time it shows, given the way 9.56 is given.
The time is 2.00
